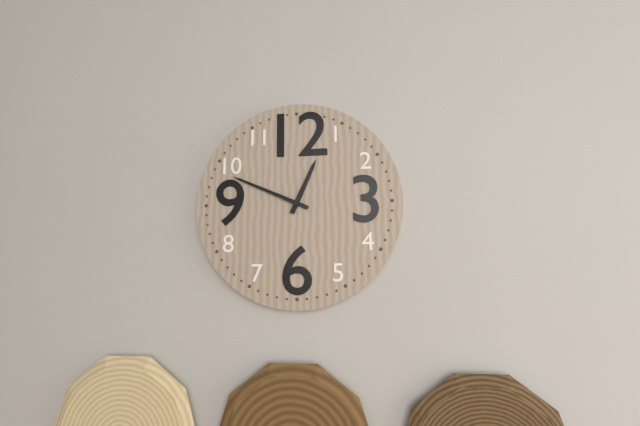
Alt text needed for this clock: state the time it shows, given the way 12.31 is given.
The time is 12.49
